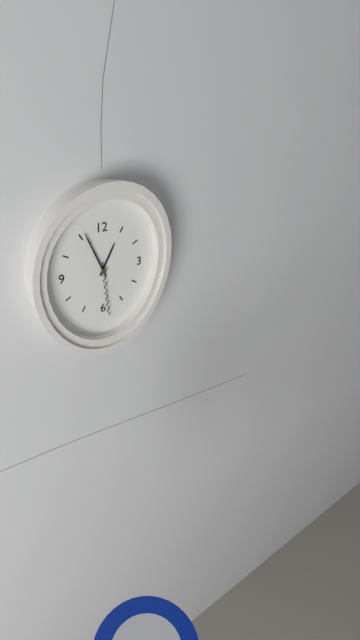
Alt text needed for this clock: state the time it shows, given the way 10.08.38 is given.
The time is 12.56.29
